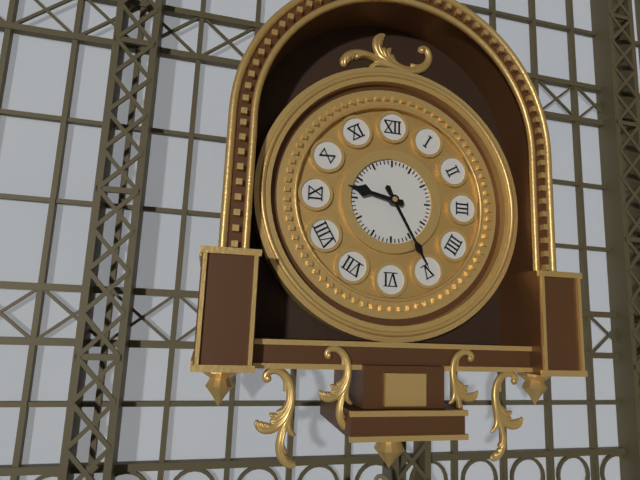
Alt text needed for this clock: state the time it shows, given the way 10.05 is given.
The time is 9.25
